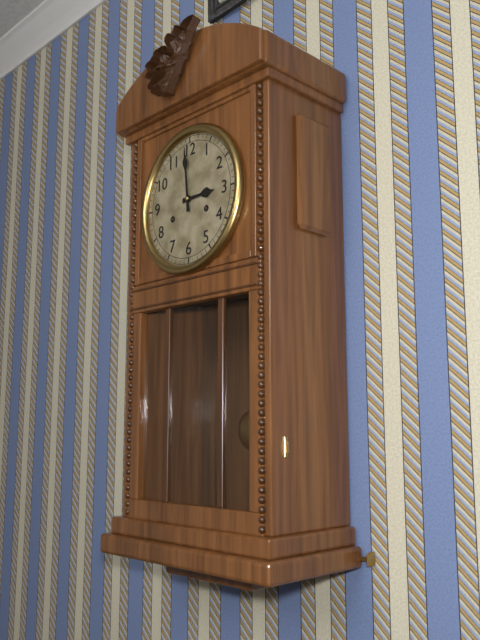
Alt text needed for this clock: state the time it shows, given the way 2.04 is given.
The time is 2.59
